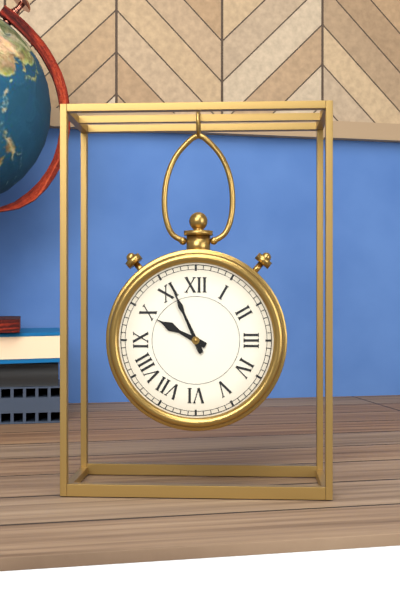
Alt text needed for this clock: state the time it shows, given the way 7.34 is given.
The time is 9.56
